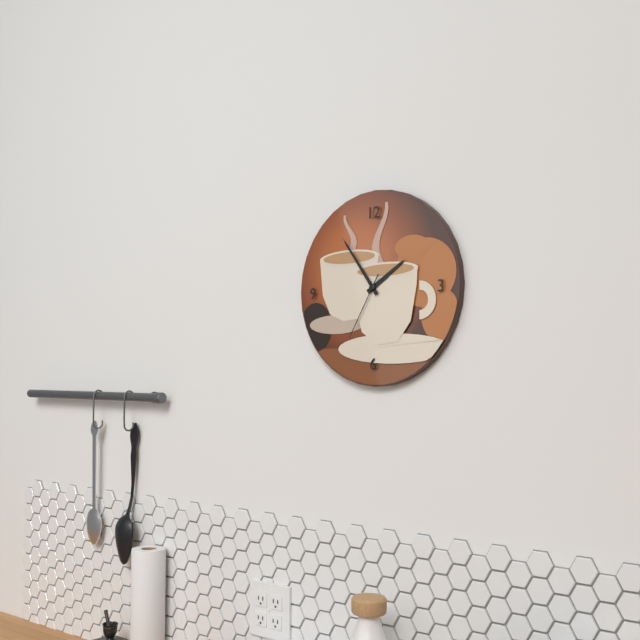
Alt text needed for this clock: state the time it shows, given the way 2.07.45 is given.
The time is 1.54.35
